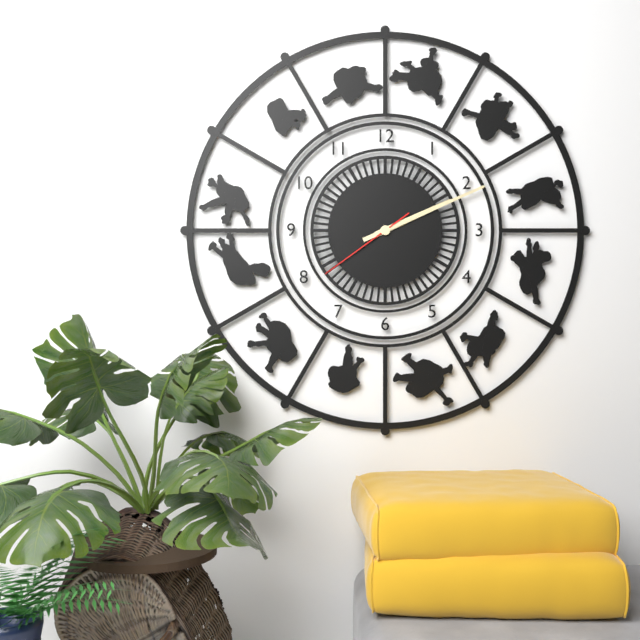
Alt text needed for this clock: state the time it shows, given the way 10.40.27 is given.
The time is 2.11.39
